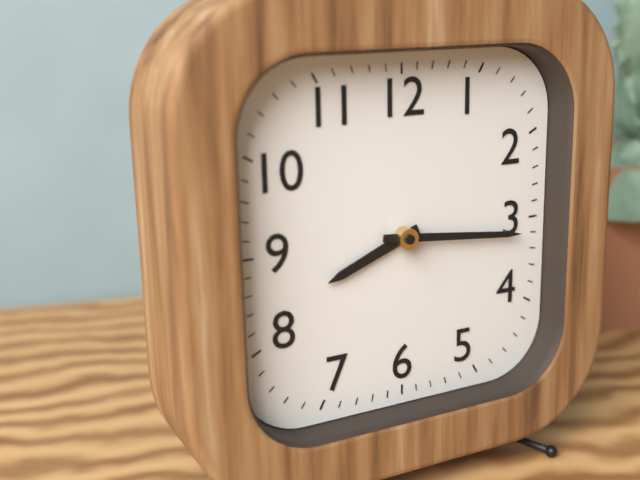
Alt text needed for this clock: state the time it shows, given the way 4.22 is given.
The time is 8.16
